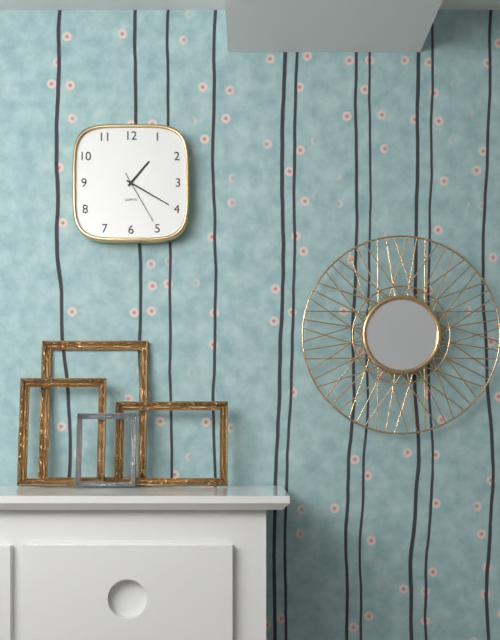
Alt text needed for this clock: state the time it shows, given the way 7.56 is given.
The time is 1.20
